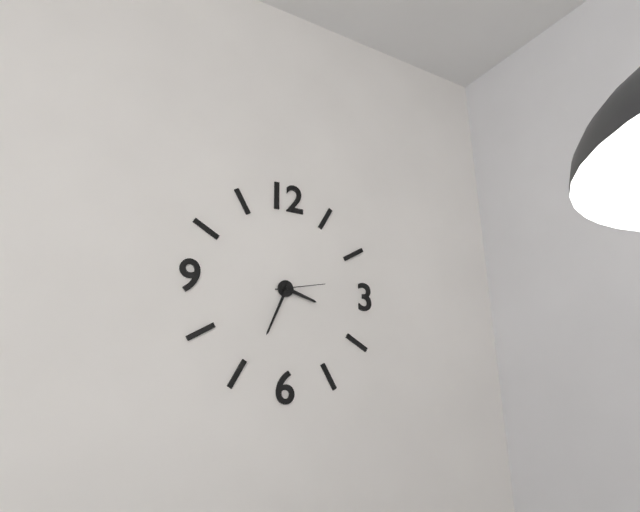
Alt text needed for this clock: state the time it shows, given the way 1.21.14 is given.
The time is 3.34.13
